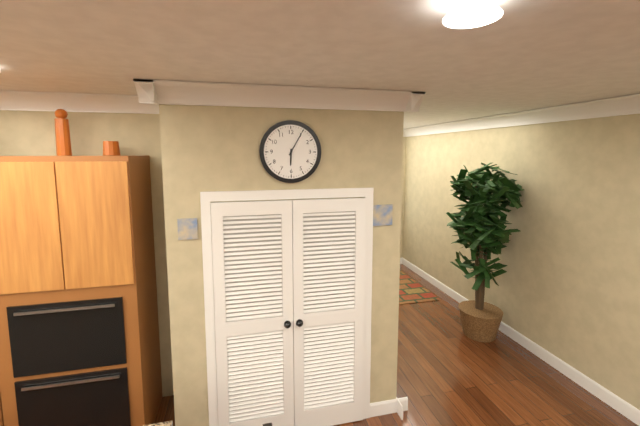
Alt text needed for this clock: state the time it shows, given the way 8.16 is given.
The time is 6.05
